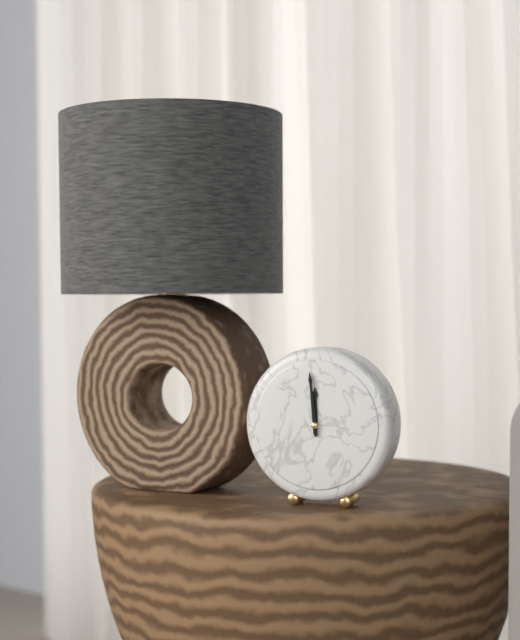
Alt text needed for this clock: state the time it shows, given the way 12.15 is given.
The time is 11.59
